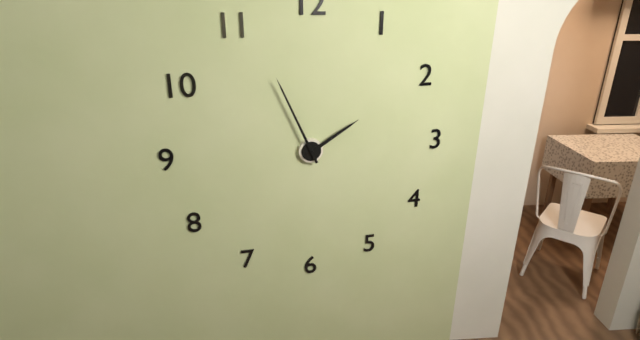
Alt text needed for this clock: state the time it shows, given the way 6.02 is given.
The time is 1.56
